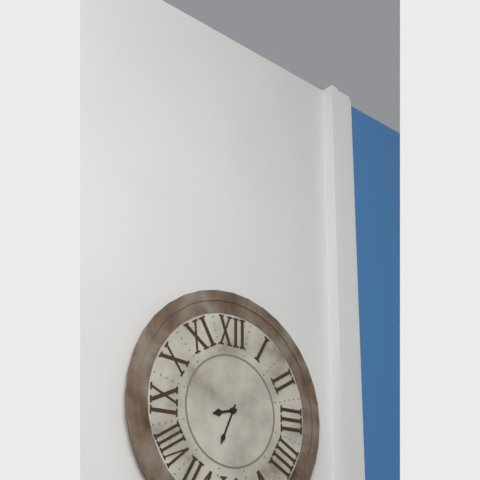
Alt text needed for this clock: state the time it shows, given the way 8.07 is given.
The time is 8.34
